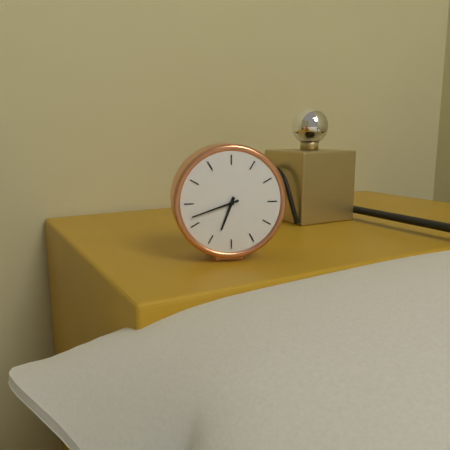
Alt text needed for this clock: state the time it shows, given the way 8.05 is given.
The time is 6.42
